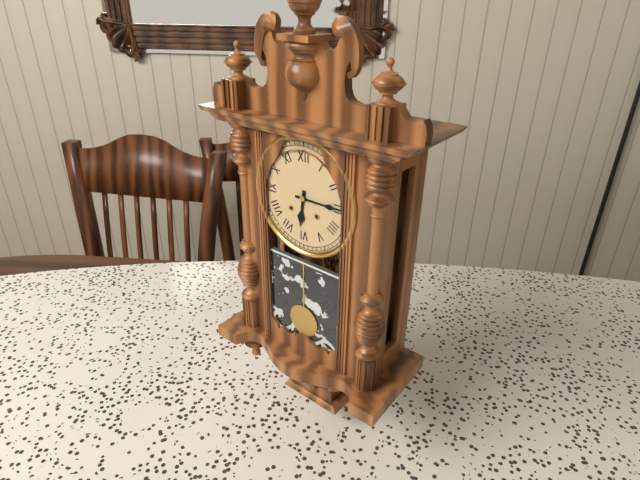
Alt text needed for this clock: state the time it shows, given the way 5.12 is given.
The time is 6.15
